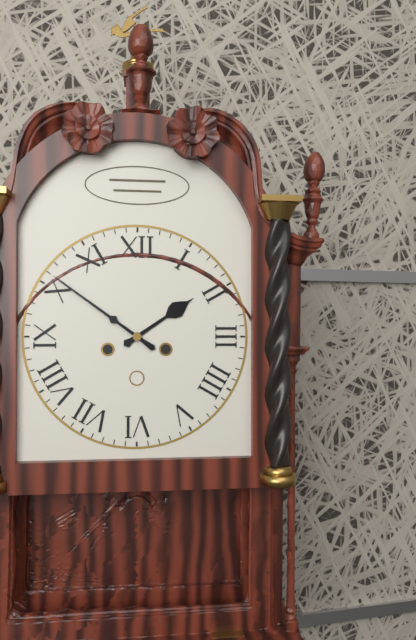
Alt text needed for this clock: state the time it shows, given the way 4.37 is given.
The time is 1.51
